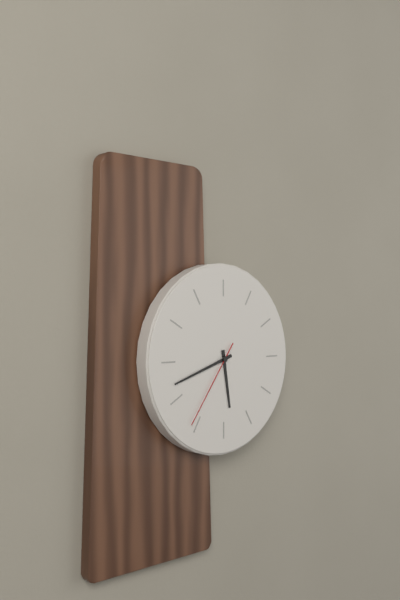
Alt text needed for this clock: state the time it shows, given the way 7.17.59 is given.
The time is 5.42.36
